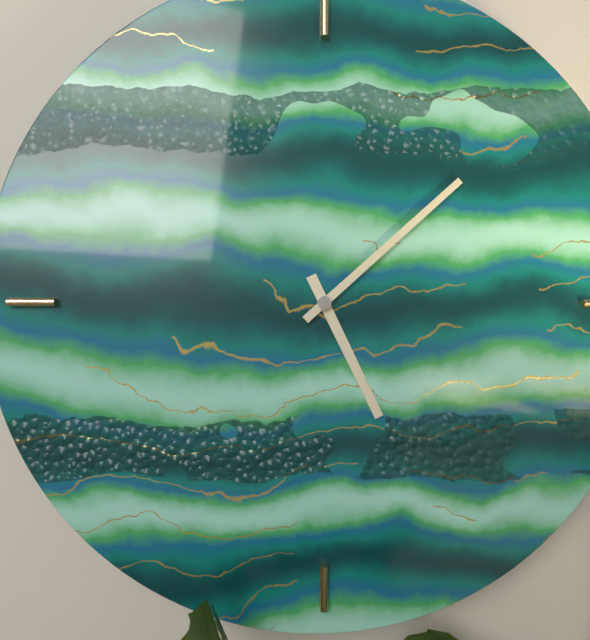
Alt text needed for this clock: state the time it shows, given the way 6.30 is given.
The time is 5.08
